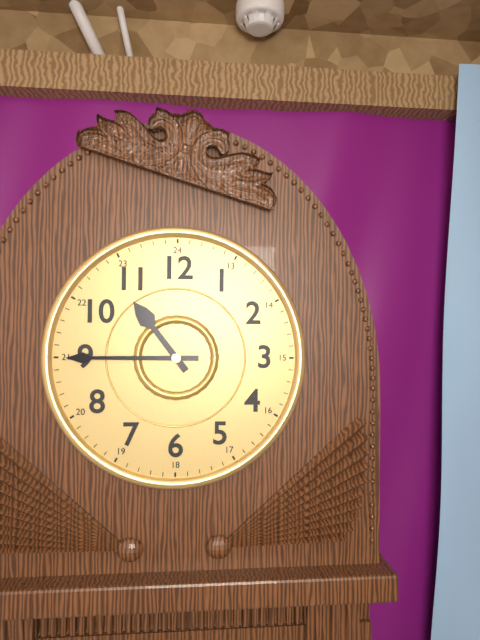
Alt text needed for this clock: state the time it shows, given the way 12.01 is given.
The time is 10.45
